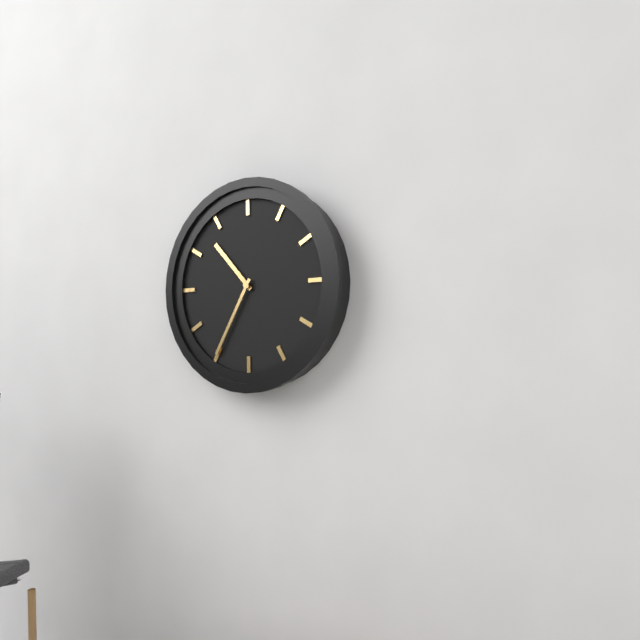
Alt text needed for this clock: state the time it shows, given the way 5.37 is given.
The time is 10.35
